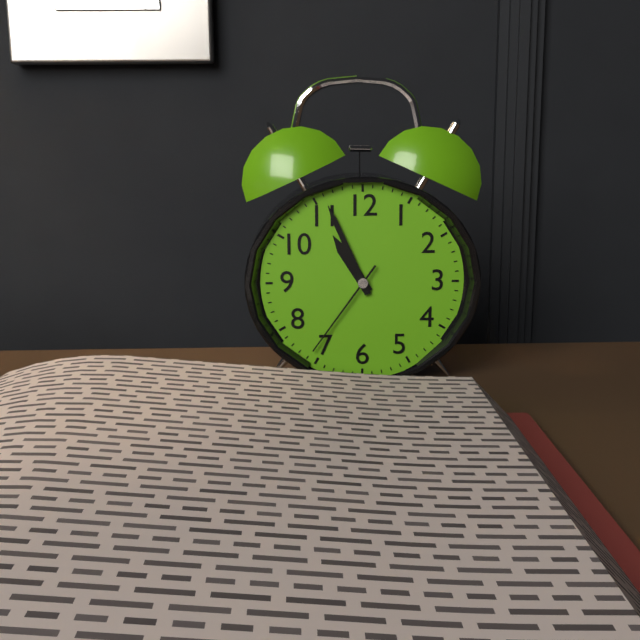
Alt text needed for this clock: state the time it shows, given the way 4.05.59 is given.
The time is 10.56.36
